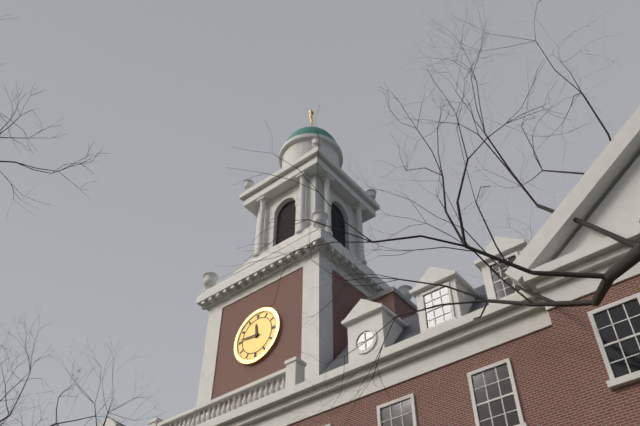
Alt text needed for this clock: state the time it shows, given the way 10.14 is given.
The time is 11.46
